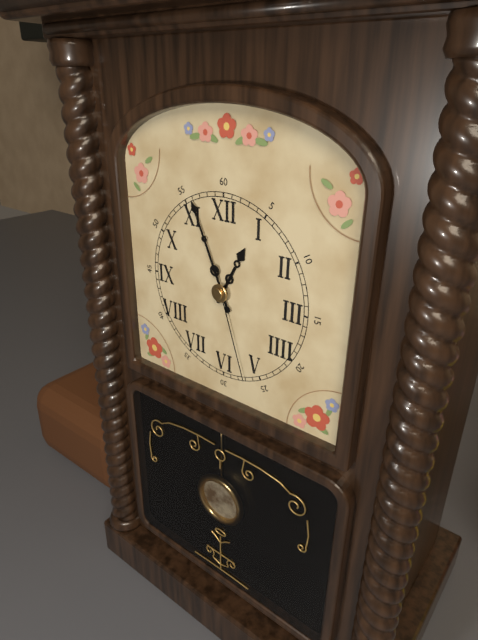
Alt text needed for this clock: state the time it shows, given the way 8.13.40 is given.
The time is 12.56.27
